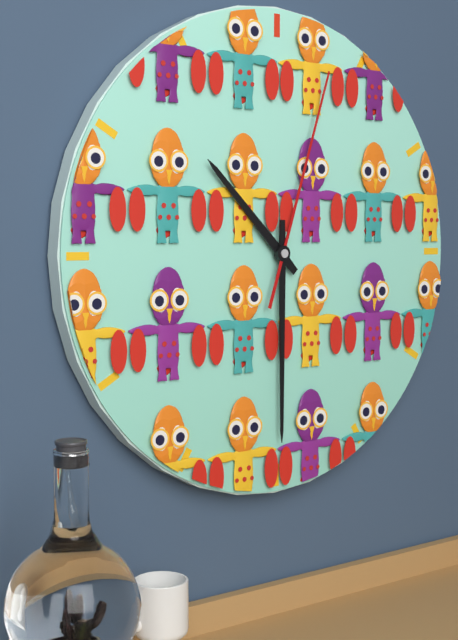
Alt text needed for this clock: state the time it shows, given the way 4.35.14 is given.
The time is 10.30.03
